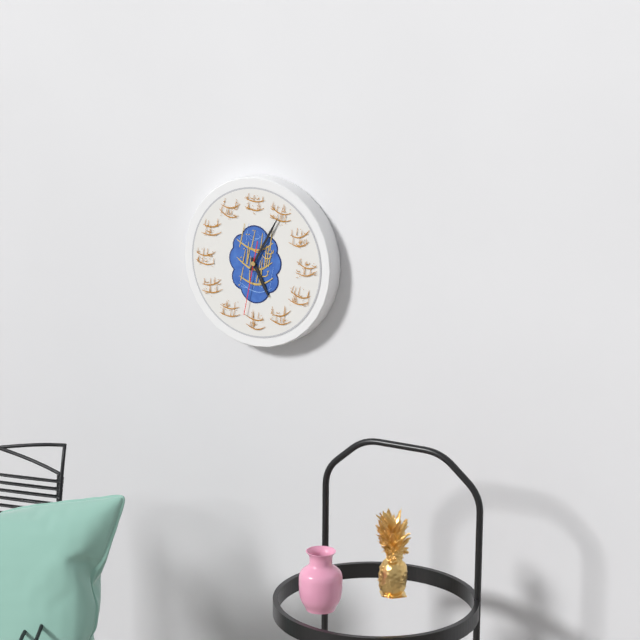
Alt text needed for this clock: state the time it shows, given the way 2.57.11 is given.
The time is 5.05.32
